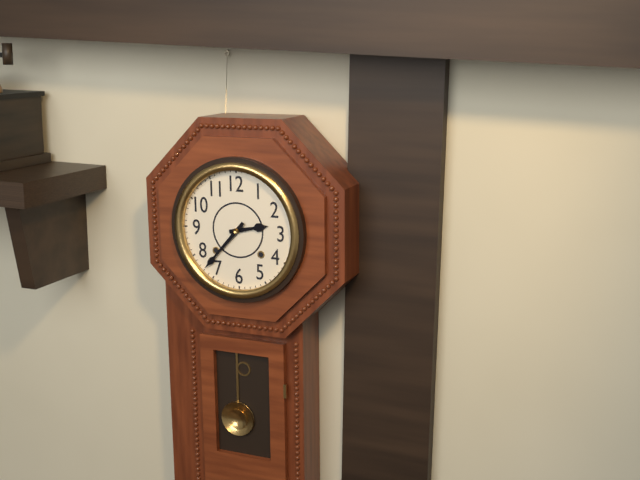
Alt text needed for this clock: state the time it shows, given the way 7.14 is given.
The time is 2.37
